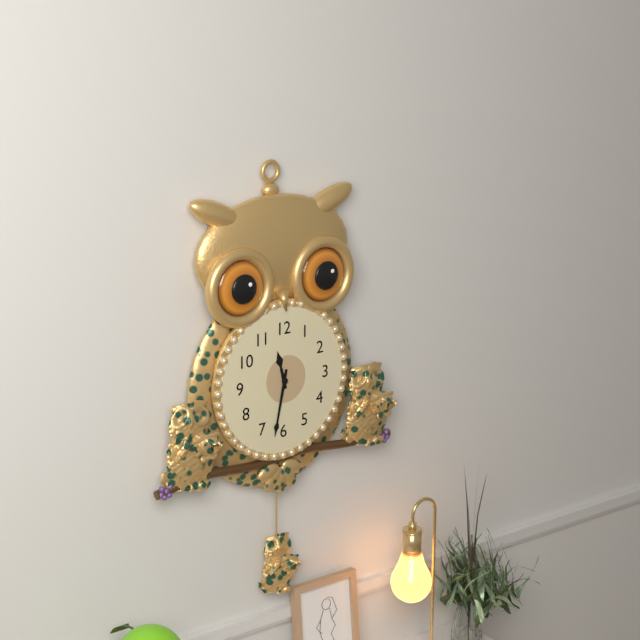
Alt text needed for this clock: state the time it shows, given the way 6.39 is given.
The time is 11.32
